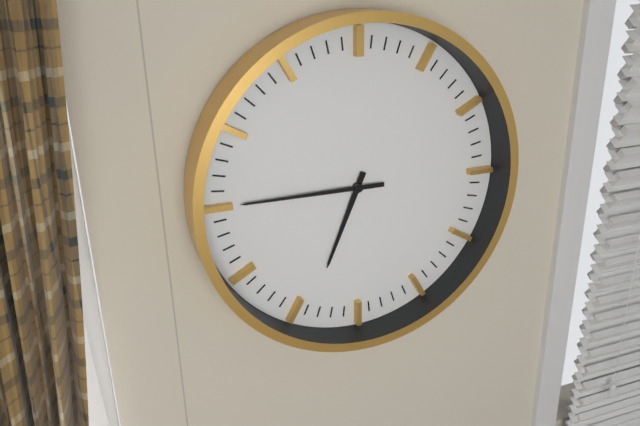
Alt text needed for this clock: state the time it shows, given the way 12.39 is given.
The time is 6.45
